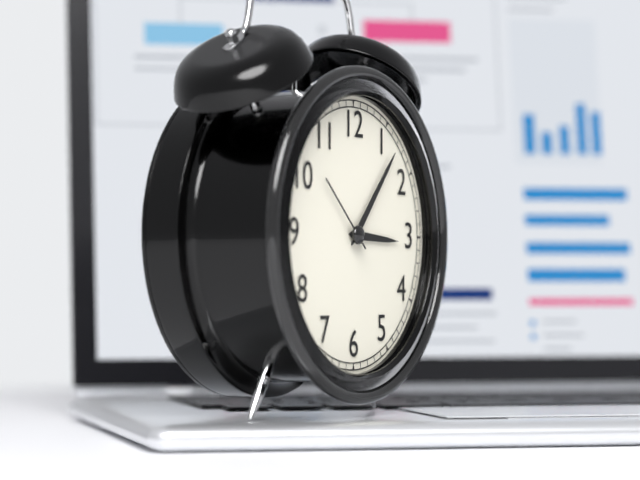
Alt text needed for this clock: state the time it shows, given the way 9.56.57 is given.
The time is 3.07.52
